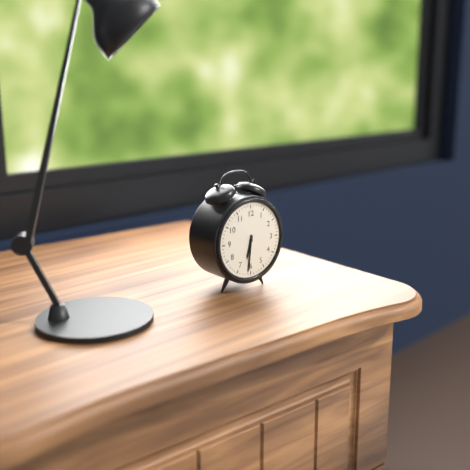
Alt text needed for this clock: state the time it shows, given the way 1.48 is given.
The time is 6.31
